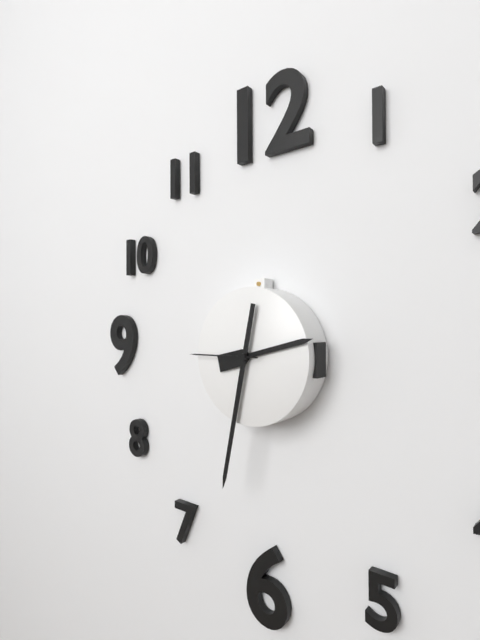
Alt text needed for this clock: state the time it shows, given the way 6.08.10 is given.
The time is 2.32.45
